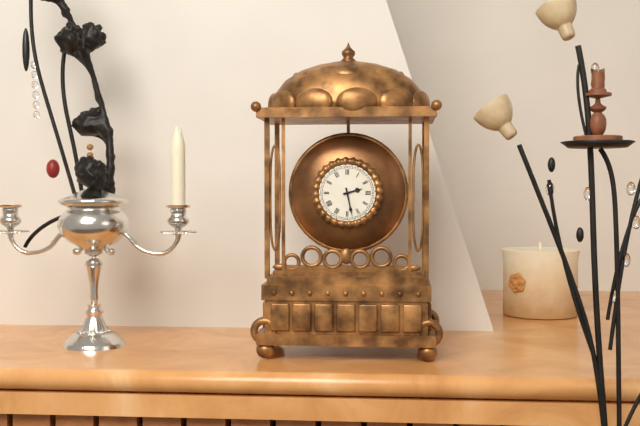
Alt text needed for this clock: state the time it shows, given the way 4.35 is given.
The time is 2.28
